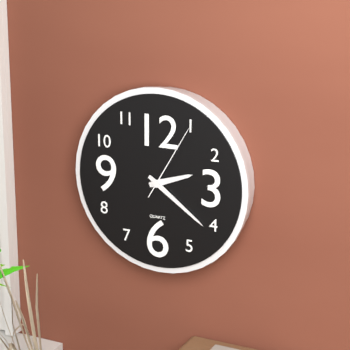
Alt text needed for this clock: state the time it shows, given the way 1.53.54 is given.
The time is 2.21.05
